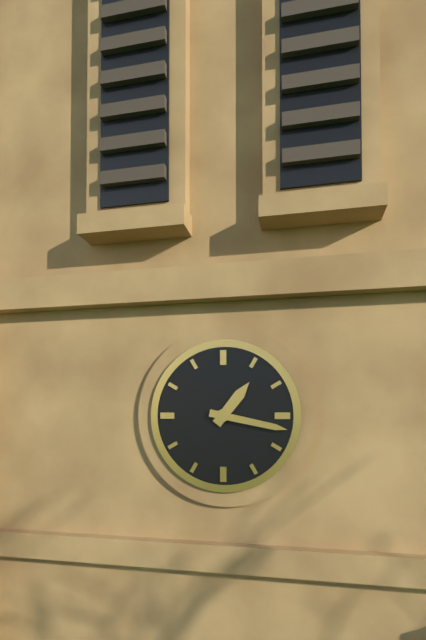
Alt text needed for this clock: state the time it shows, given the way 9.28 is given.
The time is 1.17
